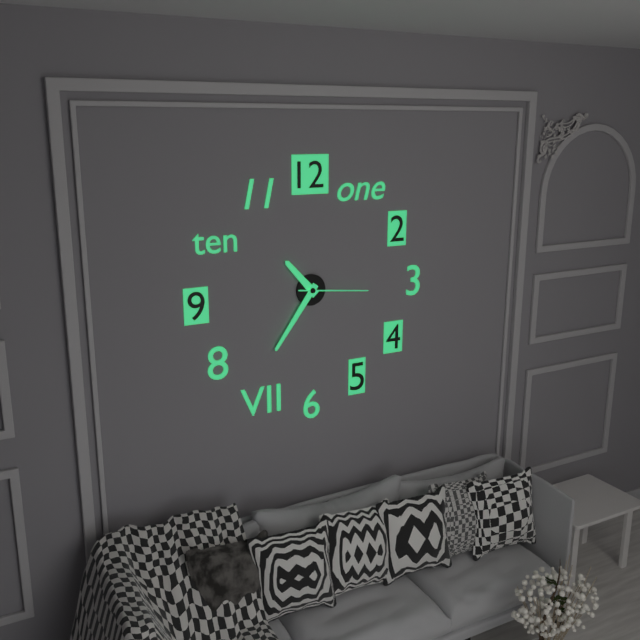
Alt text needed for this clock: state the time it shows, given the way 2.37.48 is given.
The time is 10.36.16
